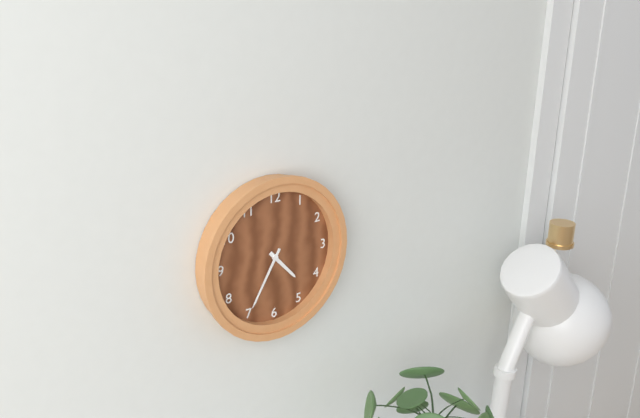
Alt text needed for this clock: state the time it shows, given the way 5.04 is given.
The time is 4.35
